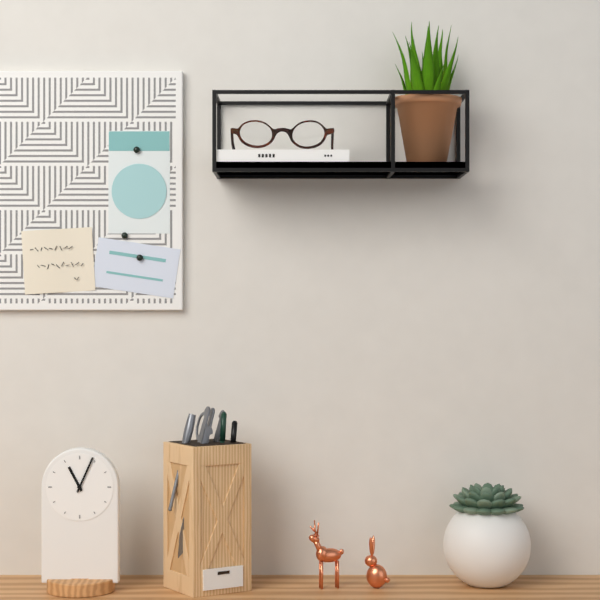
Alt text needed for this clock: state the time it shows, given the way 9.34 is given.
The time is 11.04
